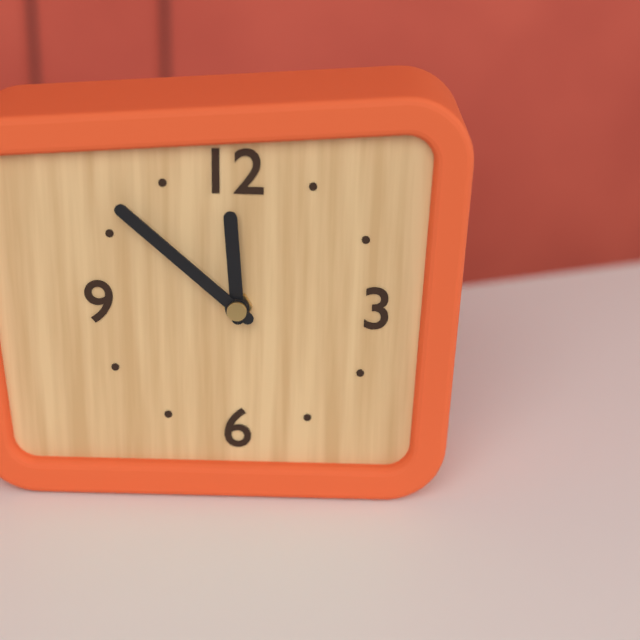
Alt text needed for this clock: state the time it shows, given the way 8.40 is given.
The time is 11.52
